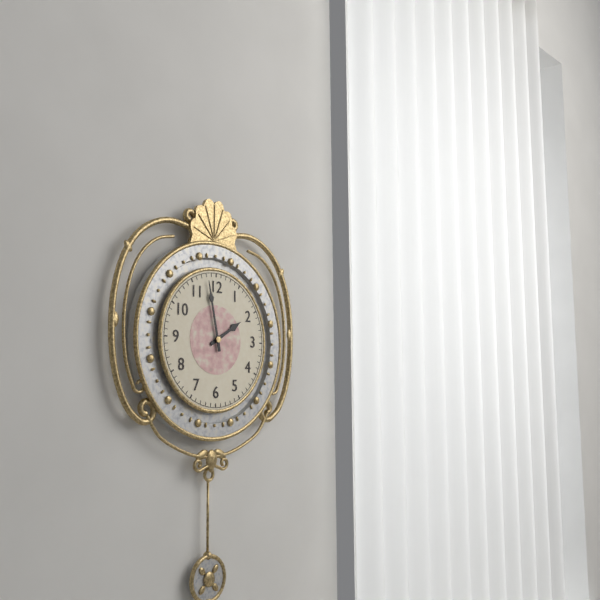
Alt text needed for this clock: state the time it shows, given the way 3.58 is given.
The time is 1.58
